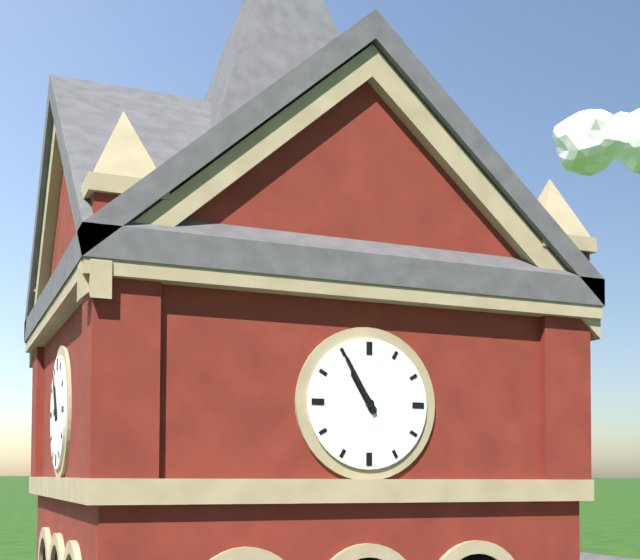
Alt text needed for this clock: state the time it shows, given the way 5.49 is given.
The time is 10.55
